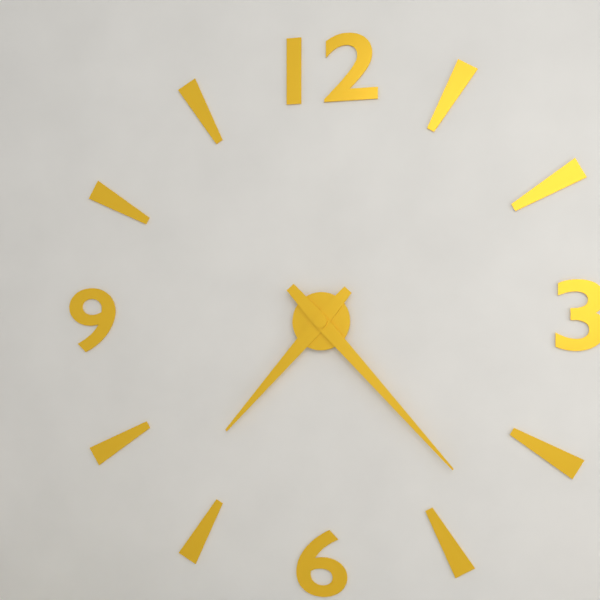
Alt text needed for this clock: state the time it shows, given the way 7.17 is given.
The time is 7.23
